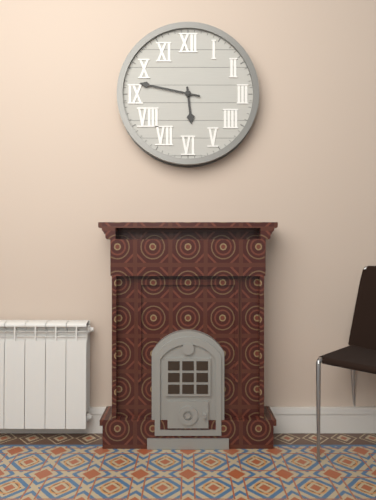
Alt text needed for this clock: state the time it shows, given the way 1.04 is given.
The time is 5.47
